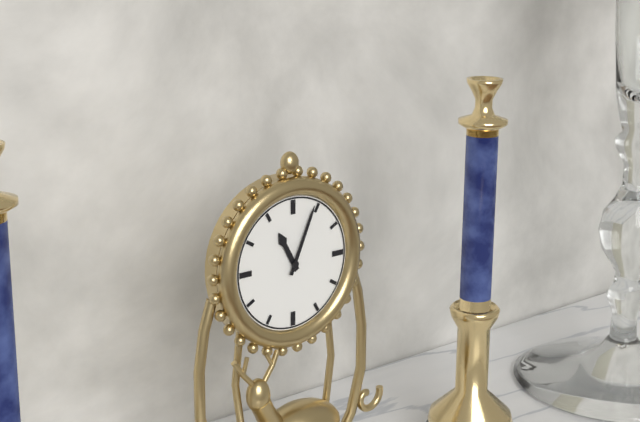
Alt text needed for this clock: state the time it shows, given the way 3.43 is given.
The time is 11.04
